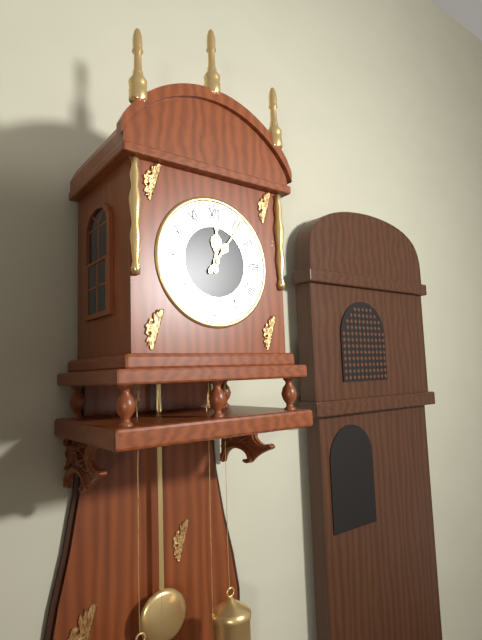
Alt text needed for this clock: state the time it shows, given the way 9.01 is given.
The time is 12.06
